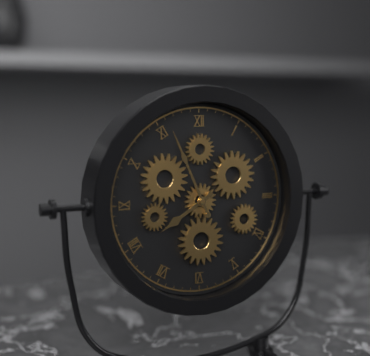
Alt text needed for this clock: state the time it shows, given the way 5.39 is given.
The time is 7.56
